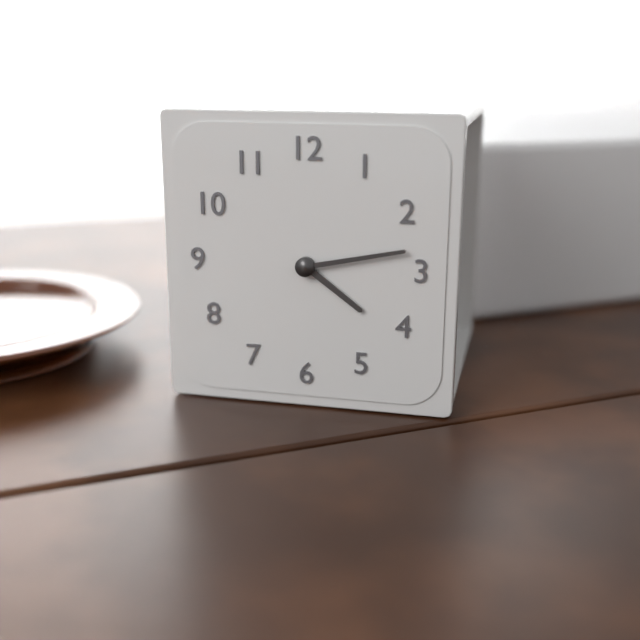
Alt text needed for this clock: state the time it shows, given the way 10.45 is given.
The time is 4.13
